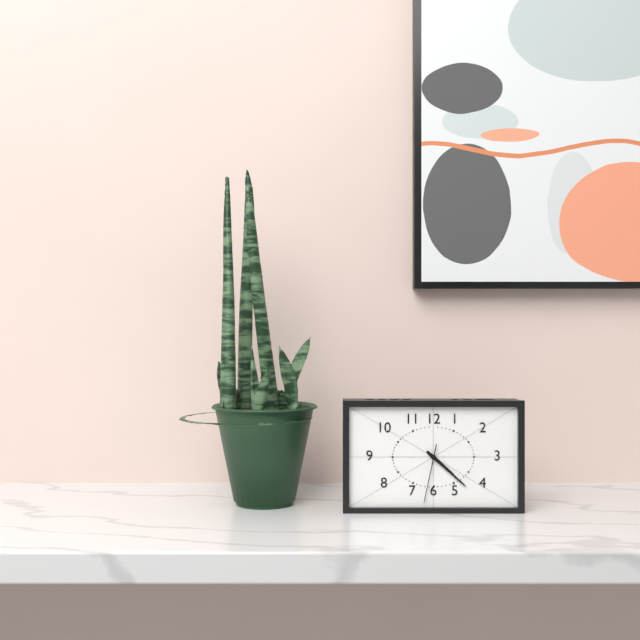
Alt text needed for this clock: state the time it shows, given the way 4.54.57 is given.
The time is 4.22.32
